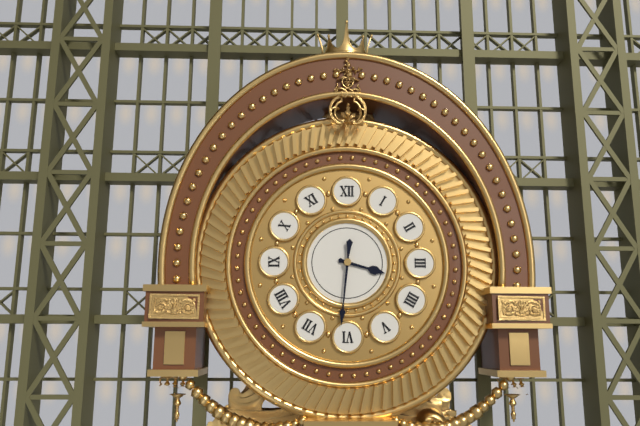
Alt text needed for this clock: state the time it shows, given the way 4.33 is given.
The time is 3.31
